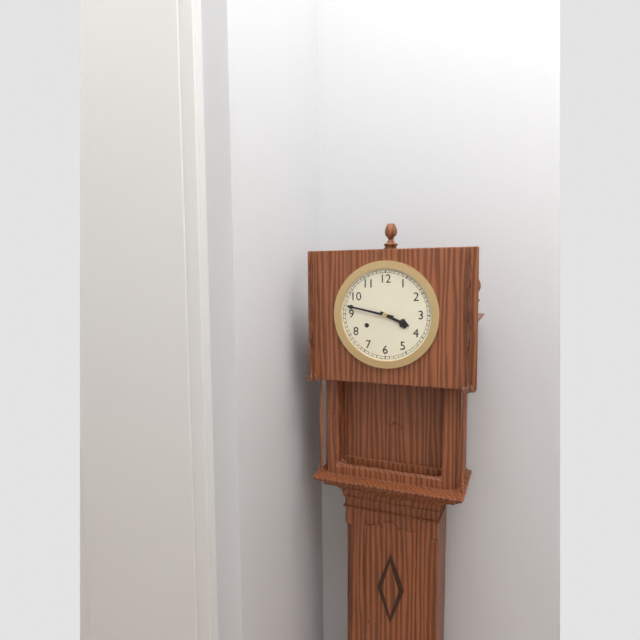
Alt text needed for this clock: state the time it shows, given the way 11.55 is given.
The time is 3.47
